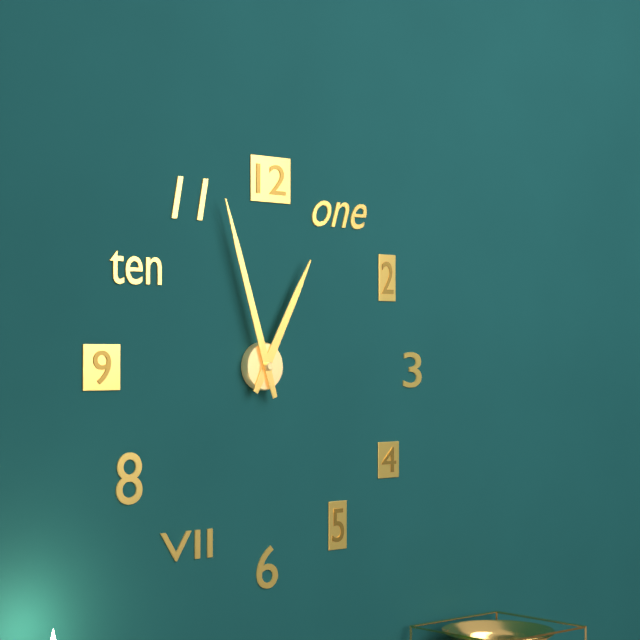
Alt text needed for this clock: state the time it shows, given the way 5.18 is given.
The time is 12.57
